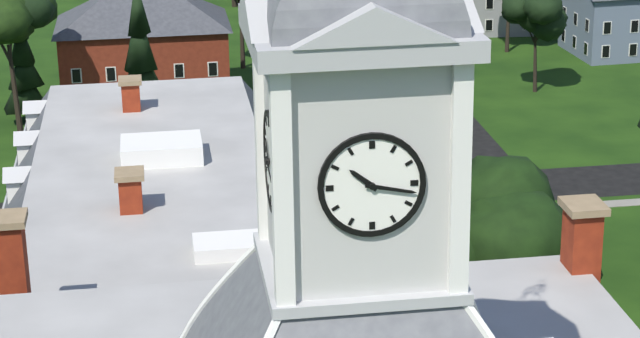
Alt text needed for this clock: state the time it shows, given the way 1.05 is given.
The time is 10.17
